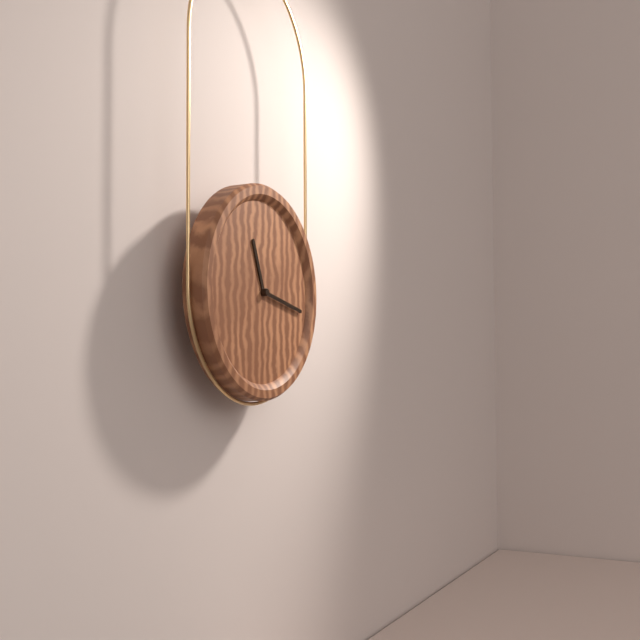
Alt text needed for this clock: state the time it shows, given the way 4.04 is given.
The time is 11.17
